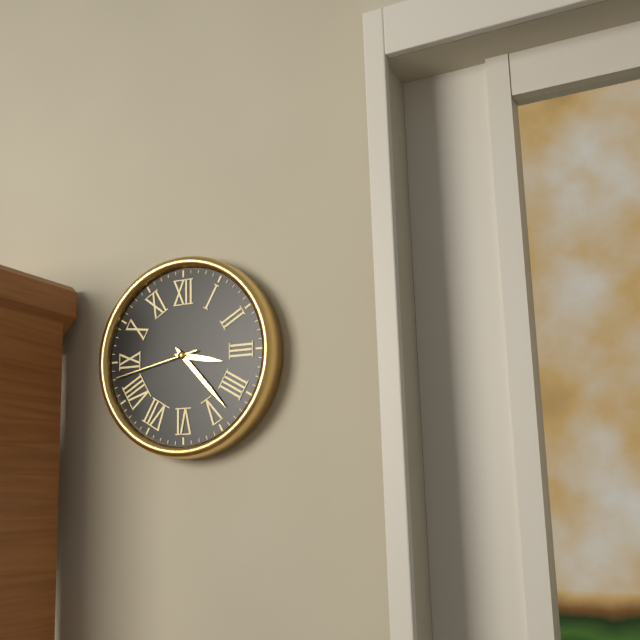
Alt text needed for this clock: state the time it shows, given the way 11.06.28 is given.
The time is 3.23.43
